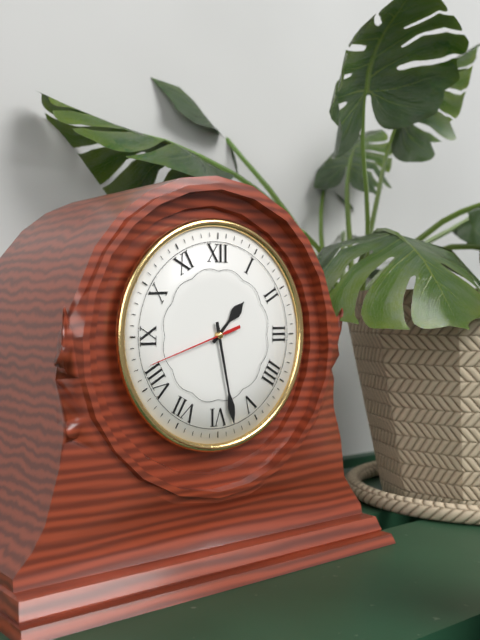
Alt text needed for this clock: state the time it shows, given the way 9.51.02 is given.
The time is 1.28.42
